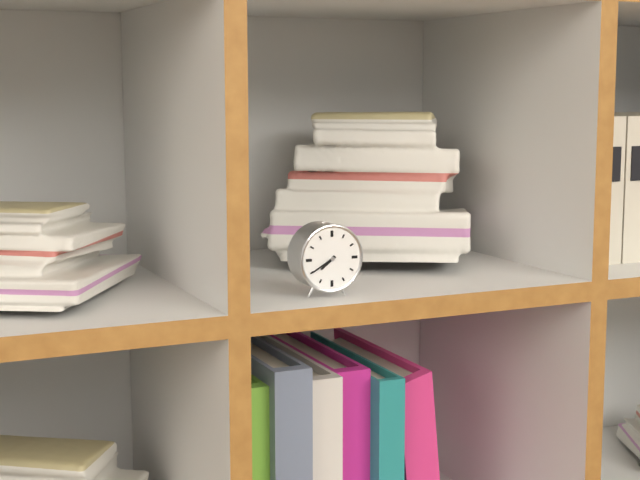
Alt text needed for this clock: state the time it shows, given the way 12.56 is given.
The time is 7.40
